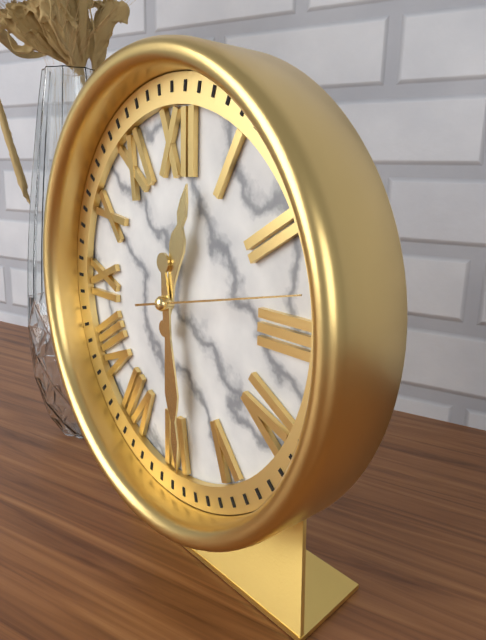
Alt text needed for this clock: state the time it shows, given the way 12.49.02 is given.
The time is 12.29.13
